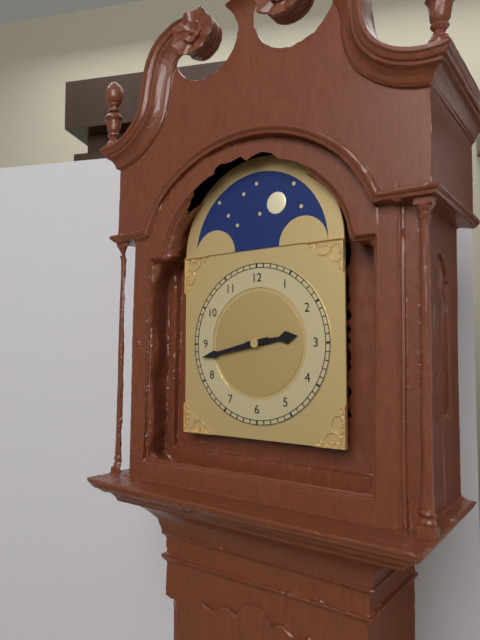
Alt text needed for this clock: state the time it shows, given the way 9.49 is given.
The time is 2.43
